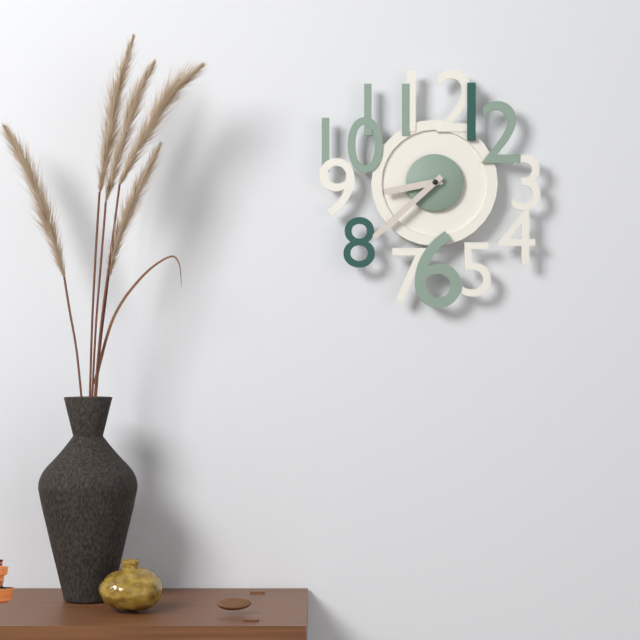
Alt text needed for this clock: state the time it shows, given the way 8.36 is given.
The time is 8.38
